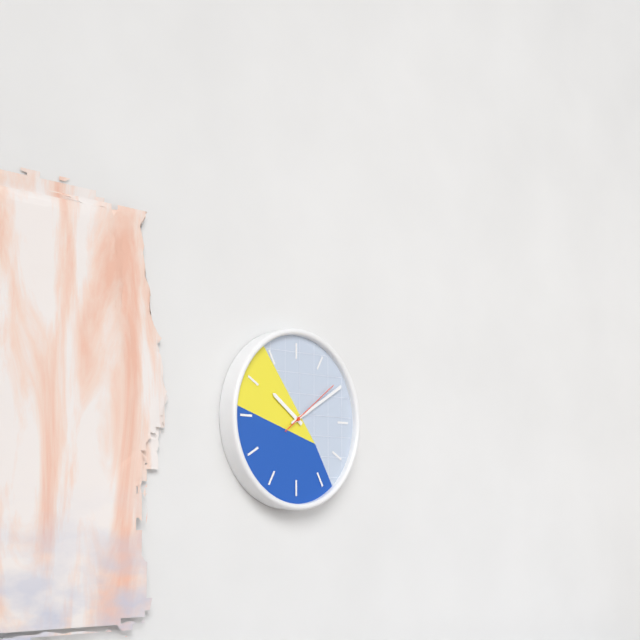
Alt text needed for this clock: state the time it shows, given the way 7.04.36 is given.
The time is 10.10.09
